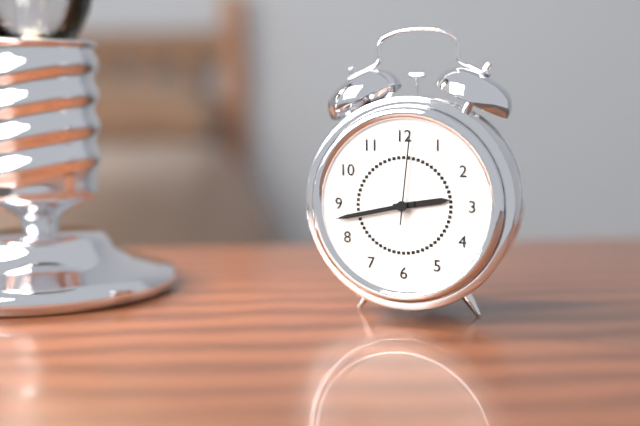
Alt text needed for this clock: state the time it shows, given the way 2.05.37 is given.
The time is 2.43.01
